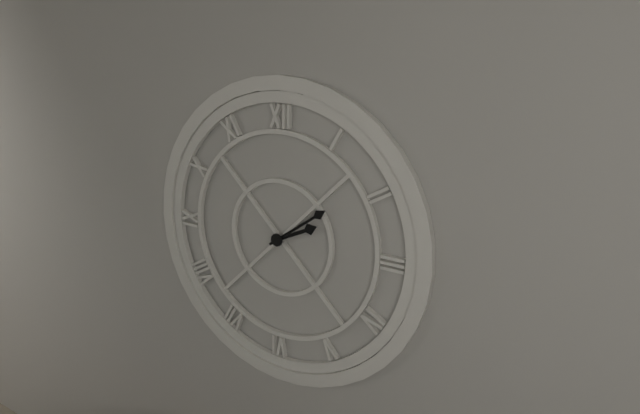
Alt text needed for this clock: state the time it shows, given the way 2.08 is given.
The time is 2.09
